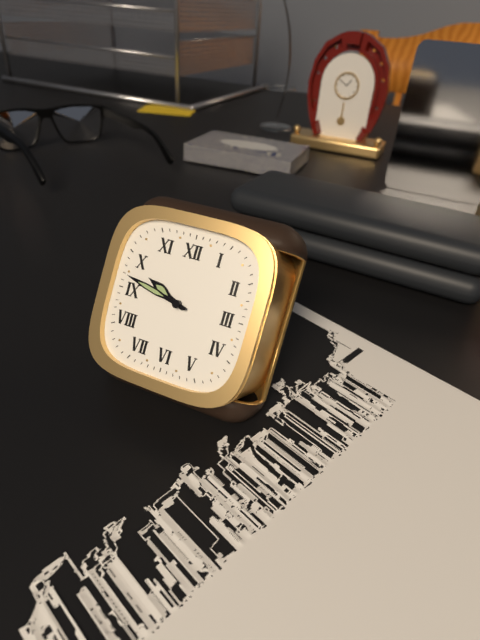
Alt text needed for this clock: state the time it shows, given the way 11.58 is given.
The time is 9.47
